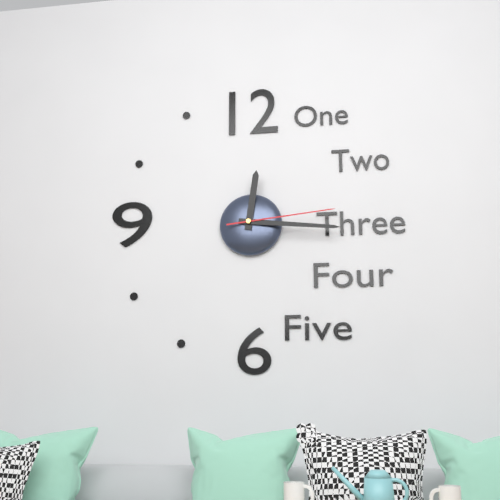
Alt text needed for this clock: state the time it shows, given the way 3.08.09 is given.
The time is 12.16.14
